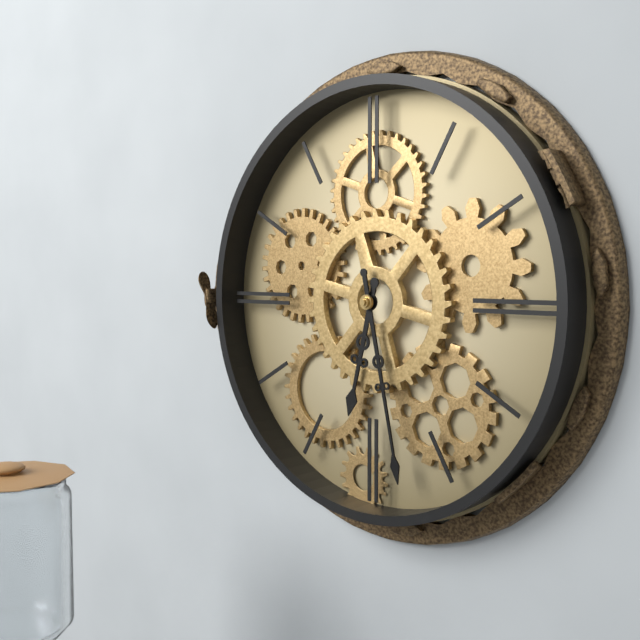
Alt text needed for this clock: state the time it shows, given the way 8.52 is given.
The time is 6.28
